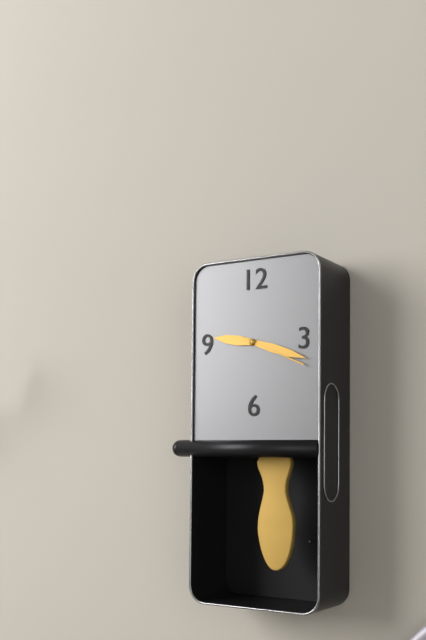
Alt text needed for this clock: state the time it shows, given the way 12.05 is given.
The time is 9.18
